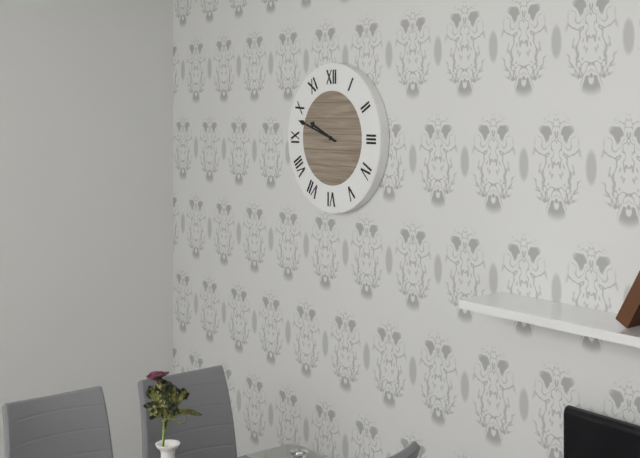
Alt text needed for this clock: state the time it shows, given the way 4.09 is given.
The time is 9.48
